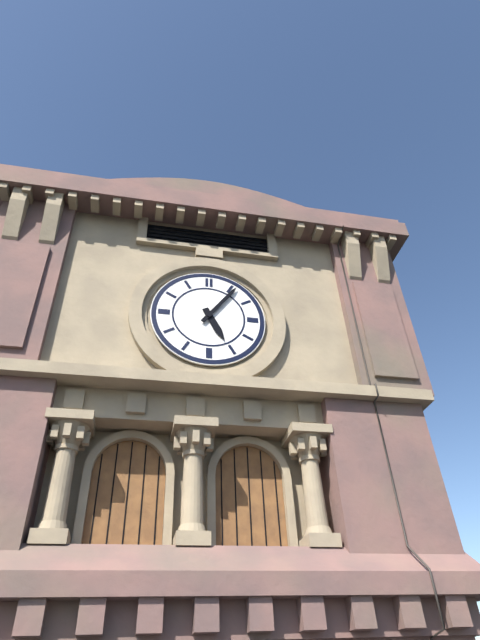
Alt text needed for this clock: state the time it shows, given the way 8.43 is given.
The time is 5.06
